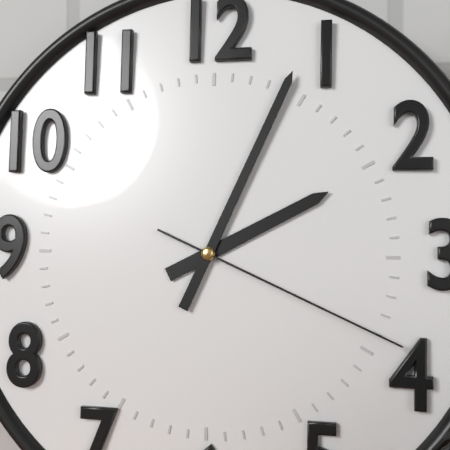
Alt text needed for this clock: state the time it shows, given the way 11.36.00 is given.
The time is 2.04.19
